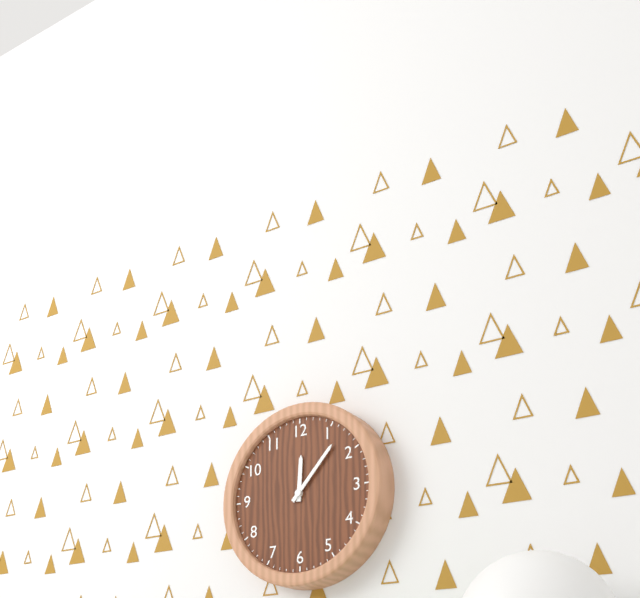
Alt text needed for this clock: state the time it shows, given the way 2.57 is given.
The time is 12.07
